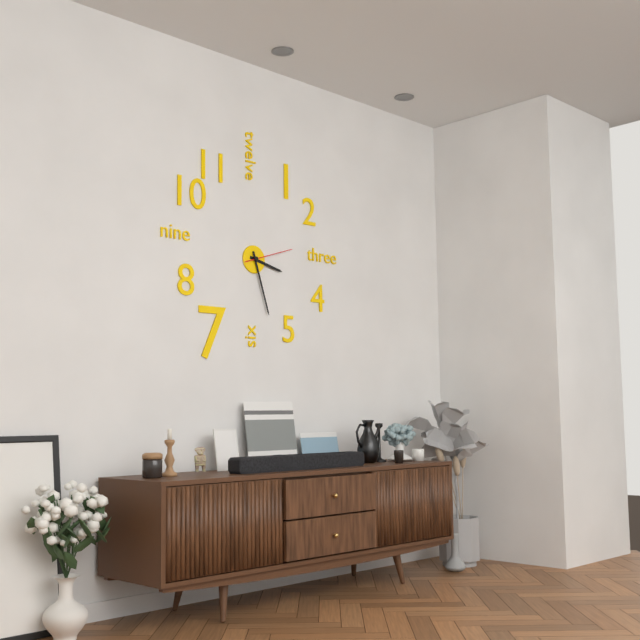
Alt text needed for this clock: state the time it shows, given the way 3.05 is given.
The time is 3.27
